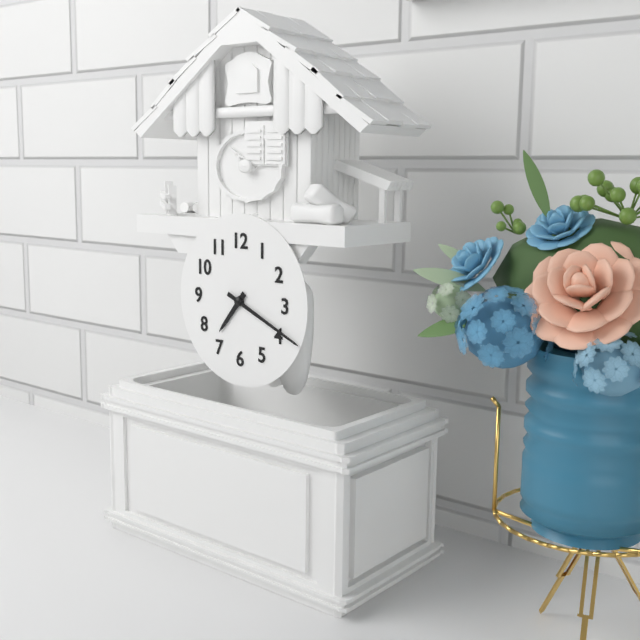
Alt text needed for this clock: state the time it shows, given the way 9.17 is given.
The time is 7.19
